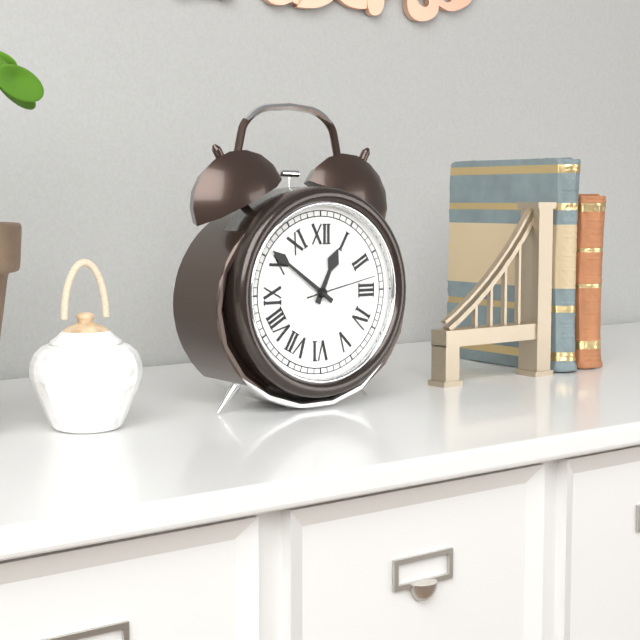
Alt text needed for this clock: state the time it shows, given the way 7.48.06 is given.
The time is 12.51.13
